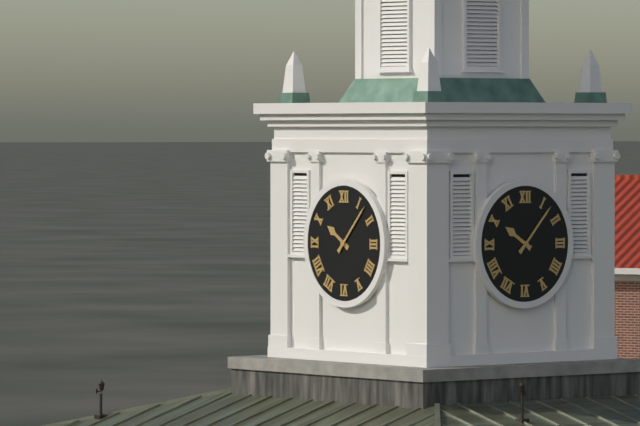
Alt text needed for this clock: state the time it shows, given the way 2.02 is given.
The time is 10.07
